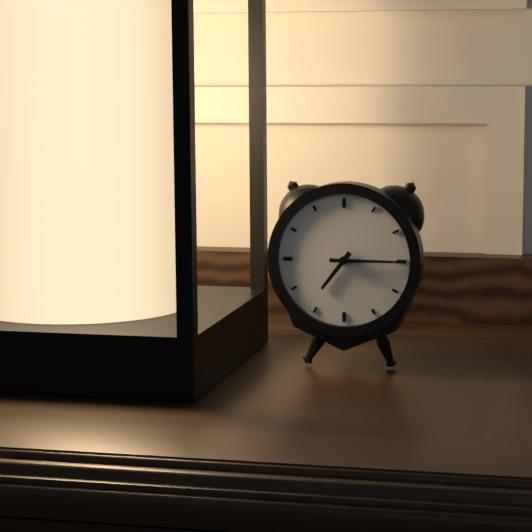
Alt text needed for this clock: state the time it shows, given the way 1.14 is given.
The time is 7.15
